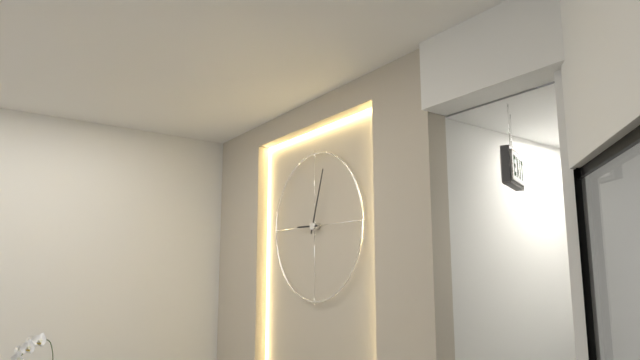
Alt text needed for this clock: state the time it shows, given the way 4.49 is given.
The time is 9.03
